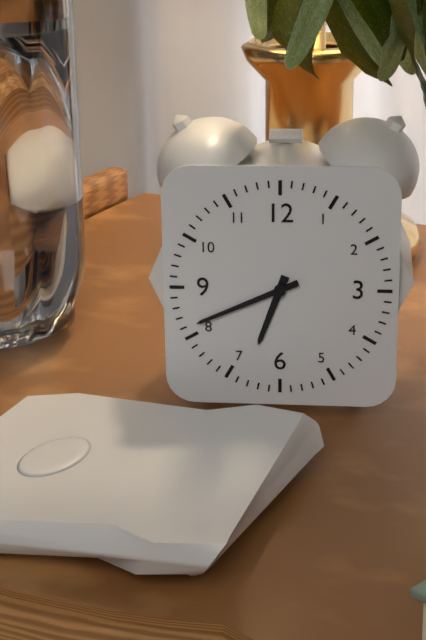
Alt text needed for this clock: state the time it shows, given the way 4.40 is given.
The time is 6.41
